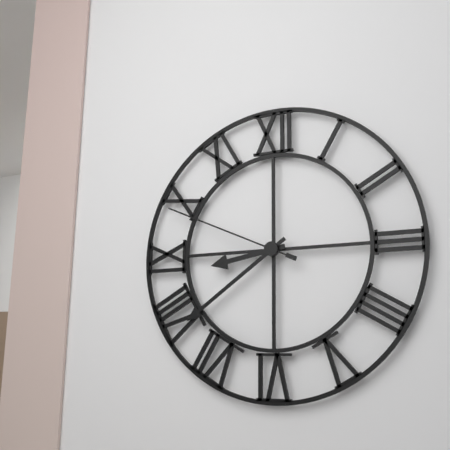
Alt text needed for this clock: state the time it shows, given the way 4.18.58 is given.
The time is 8.39.49
